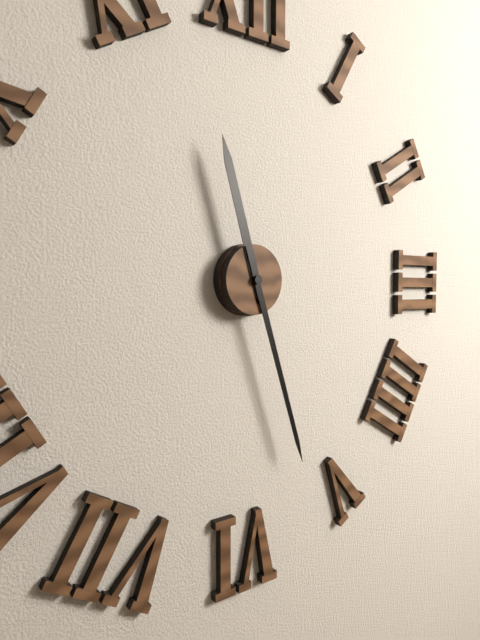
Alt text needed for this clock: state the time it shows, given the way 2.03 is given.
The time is 11.27
